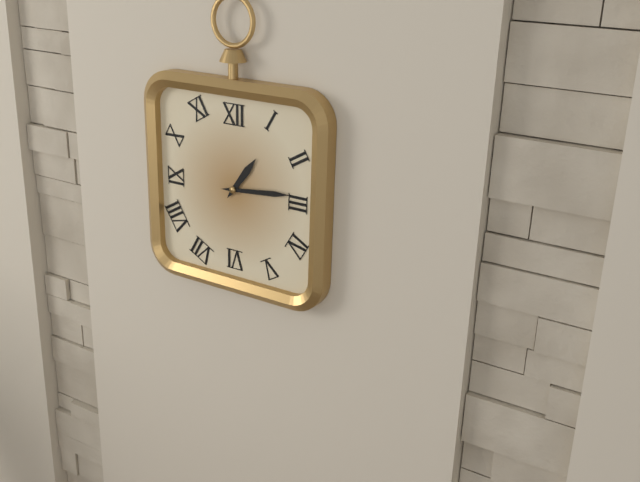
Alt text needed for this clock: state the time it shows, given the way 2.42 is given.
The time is 1.14
